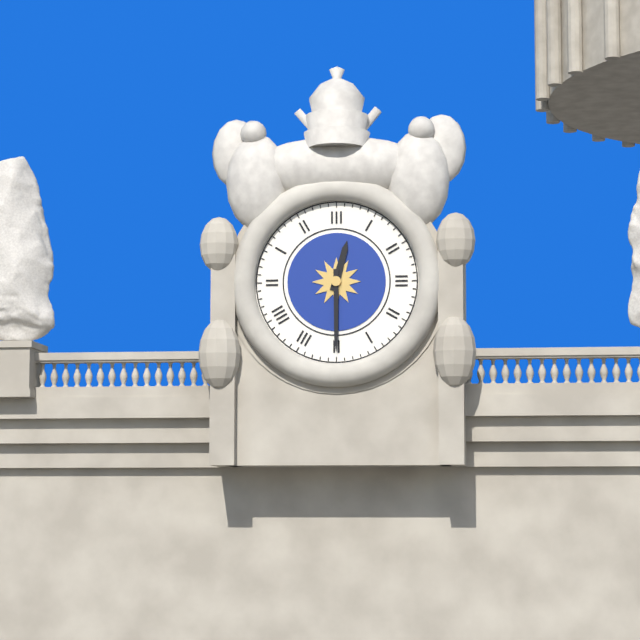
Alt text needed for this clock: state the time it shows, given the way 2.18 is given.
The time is 12.30
